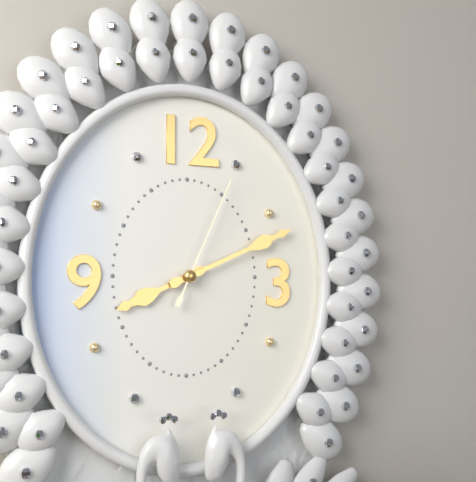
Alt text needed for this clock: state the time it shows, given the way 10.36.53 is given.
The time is 8.11.04
